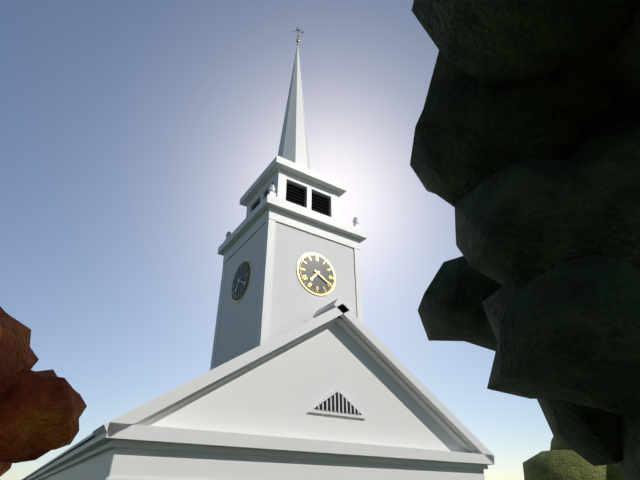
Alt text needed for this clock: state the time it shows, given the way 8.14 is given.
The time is 7.20
